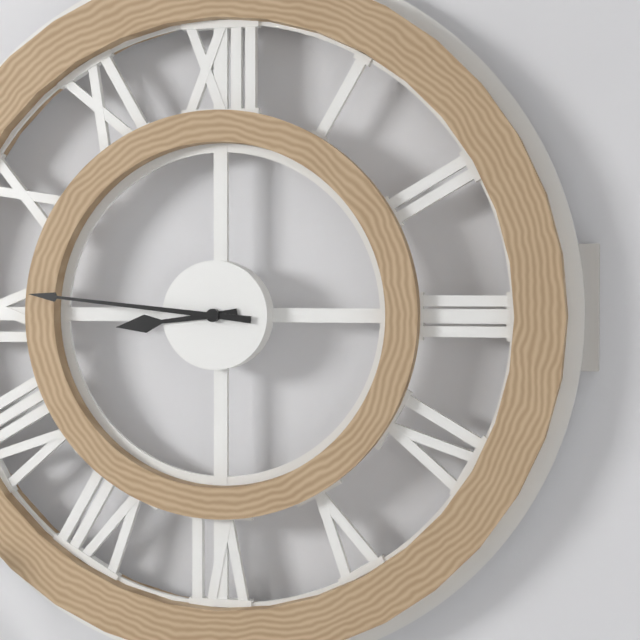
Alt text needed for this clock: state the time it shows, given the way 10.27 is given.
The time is 8.46
